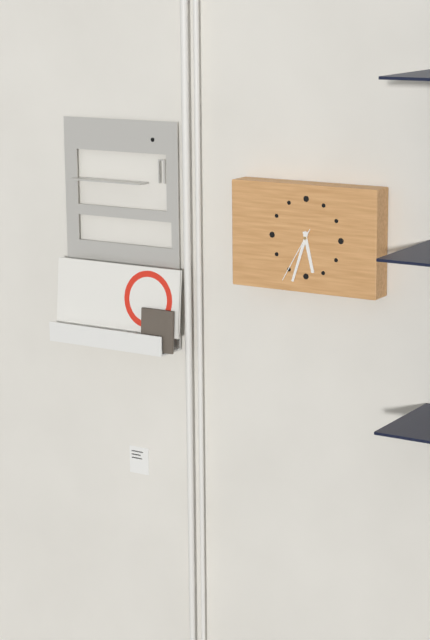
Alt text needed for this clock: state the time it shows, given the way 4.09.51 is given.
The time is 5.33.35
